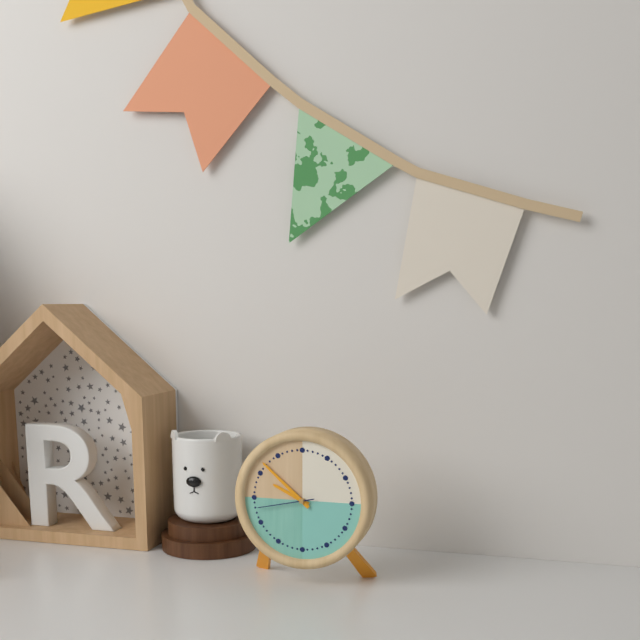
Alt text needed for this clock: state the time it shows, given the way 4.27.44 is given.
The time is 9.52.43
